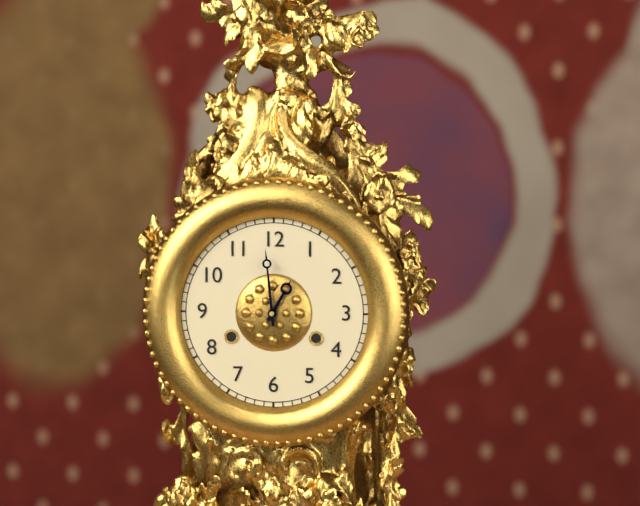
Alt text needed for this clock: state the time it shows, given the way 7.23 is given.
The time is 12.59
